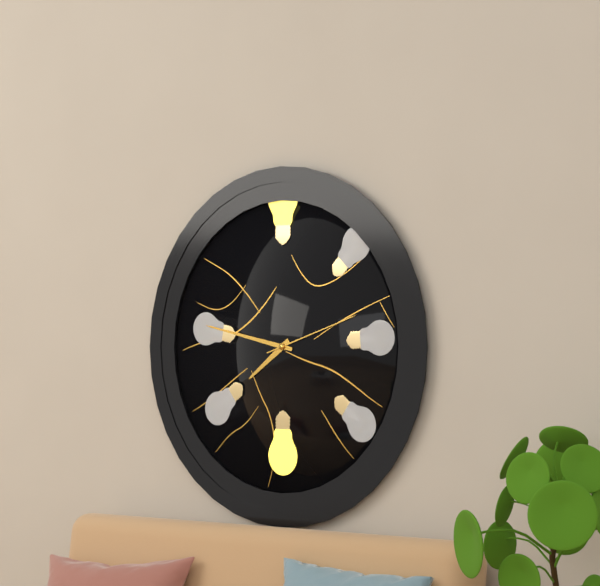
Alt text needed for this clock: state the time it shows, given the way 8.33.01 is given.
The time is 7.47.12
